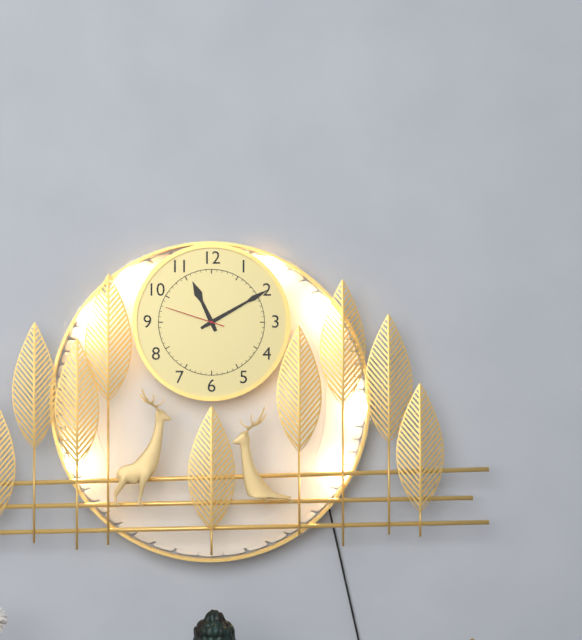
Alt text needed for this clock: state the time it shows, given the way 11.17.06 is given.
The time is 11.10.48
